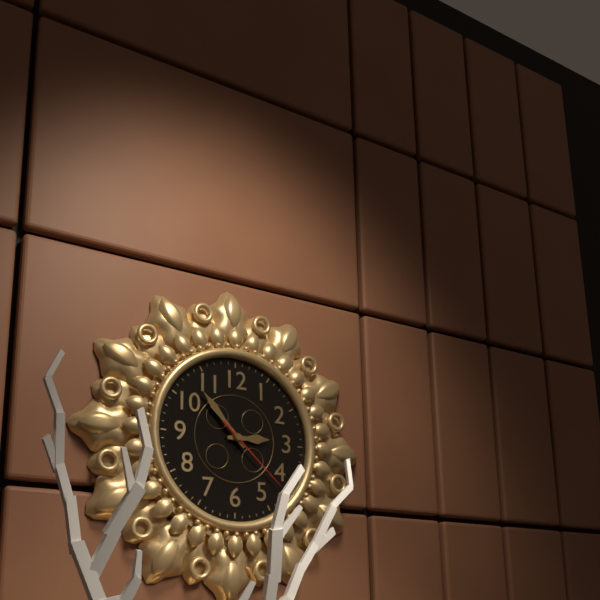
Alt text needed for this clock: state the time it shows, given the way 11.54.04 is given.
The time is 2.53.22
